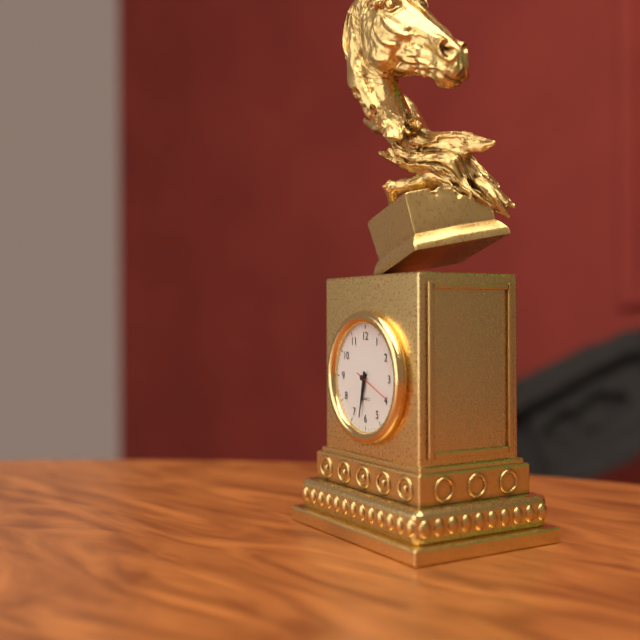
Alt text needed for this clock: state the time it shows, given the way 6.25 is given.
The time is 6.32
